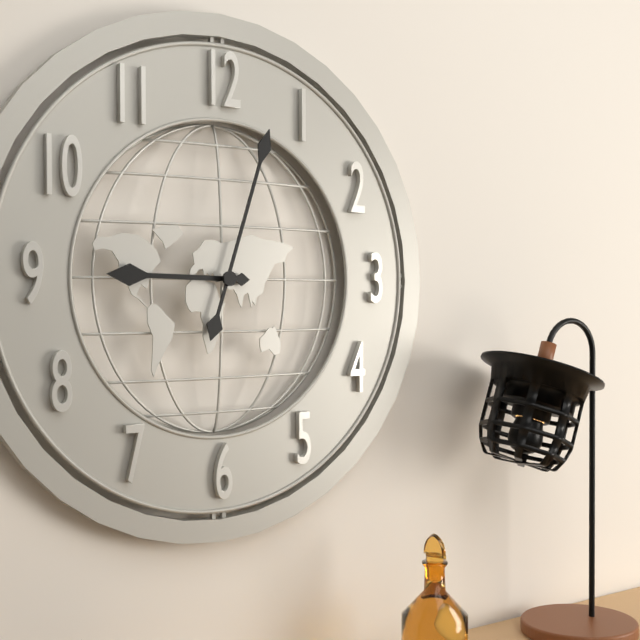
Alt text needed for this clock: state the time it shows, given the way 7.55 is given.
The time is 9.03
